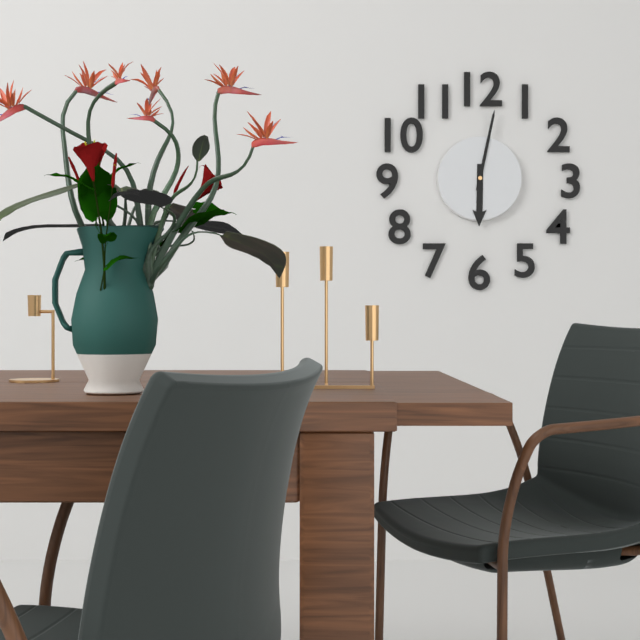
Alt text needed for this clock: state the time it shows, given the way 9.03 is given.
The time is 6.02
